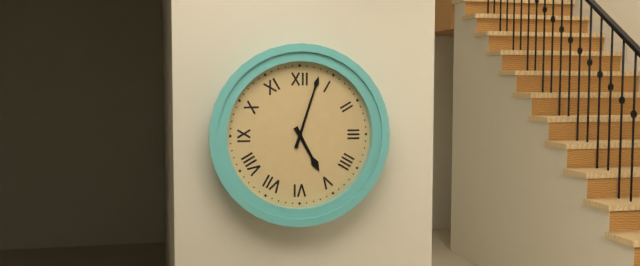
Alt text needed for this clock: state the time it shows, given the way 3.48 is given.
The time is 5.03
